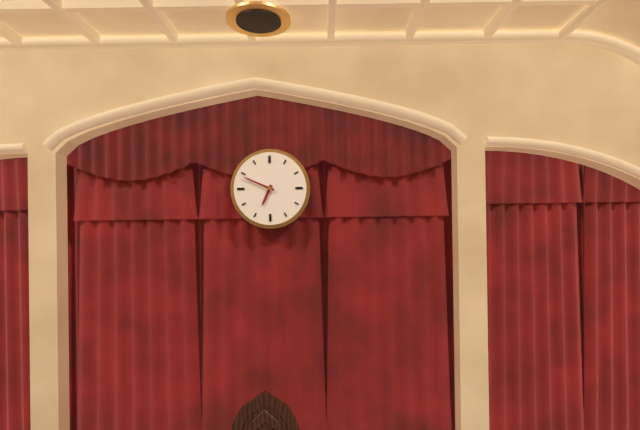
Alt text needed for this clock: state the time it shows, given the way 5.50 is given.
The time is 6.49
